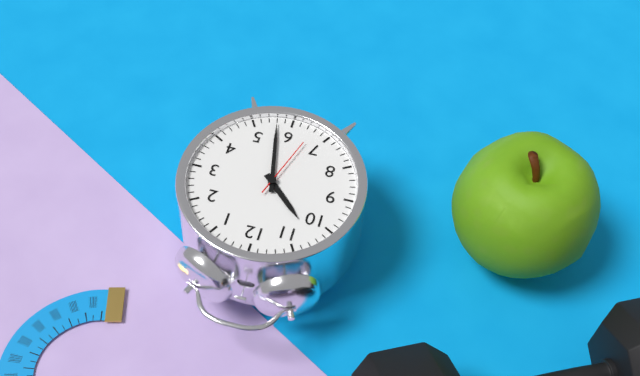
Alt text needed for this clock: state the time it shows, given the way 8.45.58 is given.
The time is 10.28.33
